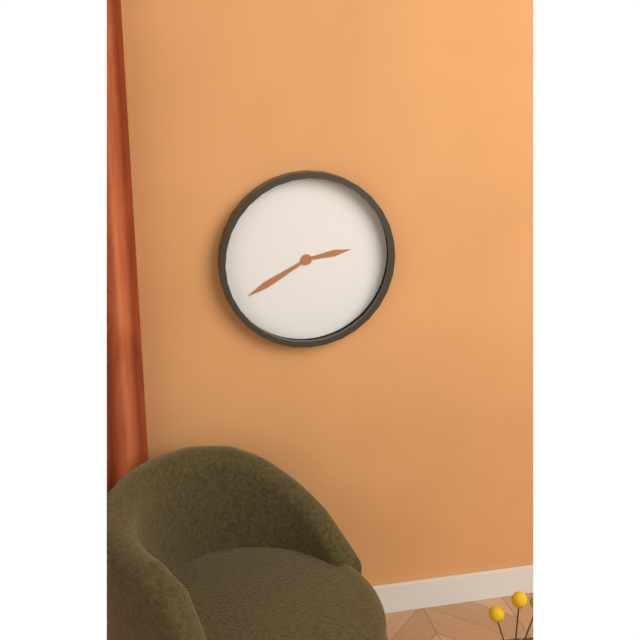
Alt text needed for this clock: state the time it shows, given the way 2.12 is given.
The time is 2.40
